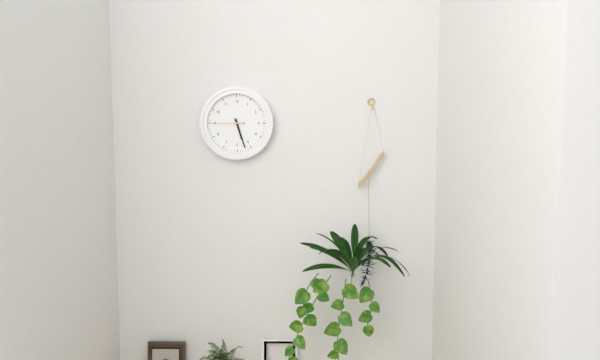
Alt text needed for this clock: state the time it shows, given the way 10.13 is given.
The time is 5.27
